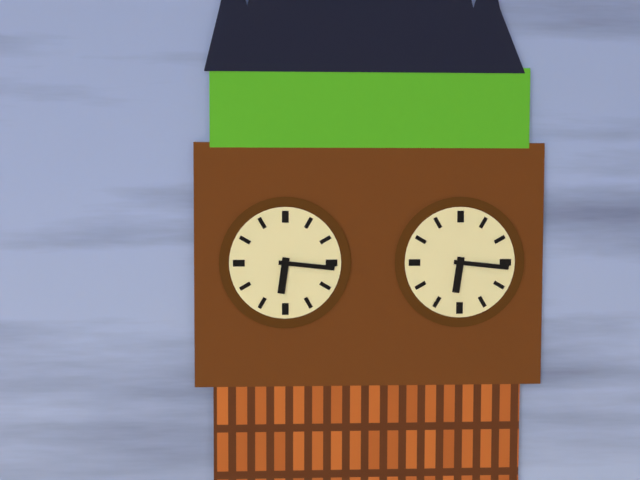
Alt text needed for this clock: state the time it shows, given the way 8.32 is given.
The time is 6.16
